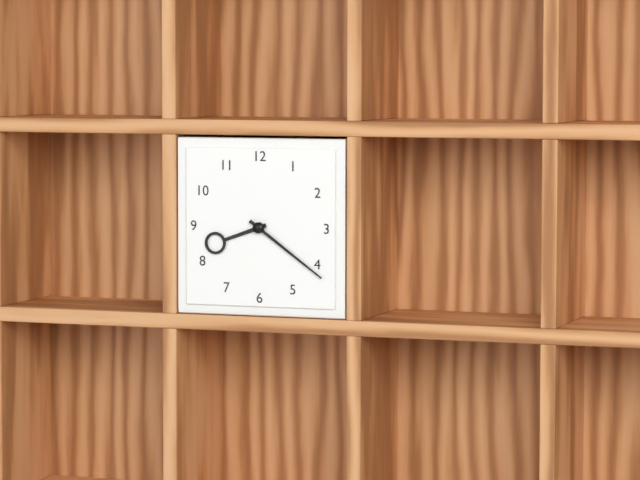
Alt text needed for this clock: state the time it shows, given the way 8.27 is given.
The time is 8.21
